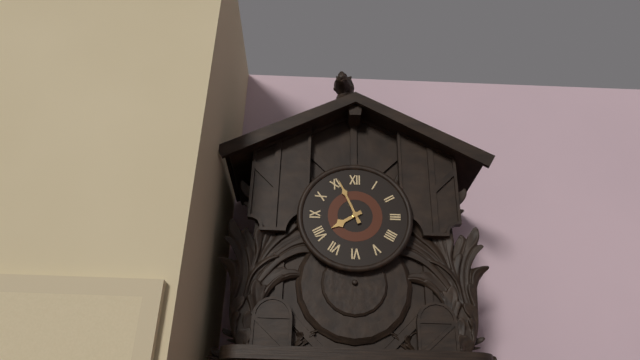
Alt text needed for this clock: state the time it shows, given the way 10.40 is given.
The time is 7.56
